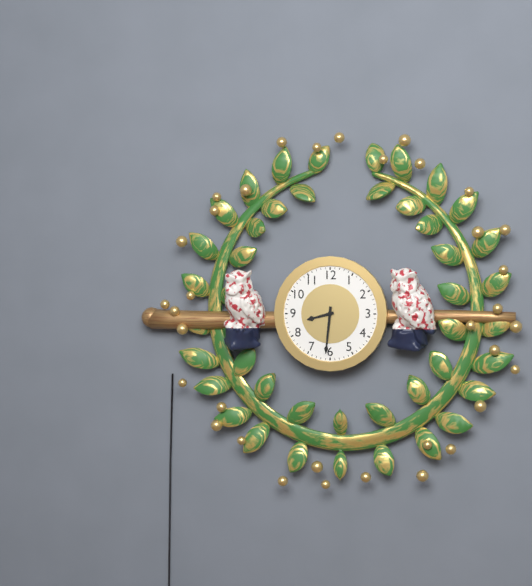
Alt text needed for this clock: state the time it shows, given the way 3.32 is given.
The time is 8.31
